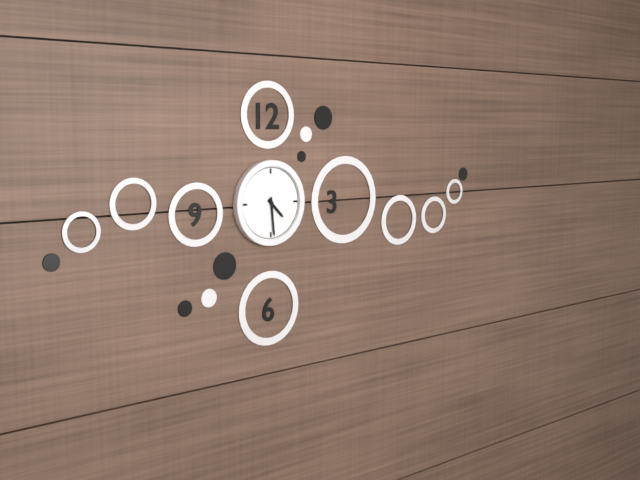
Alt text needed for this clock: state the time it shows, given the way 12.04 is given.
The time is 4.29
